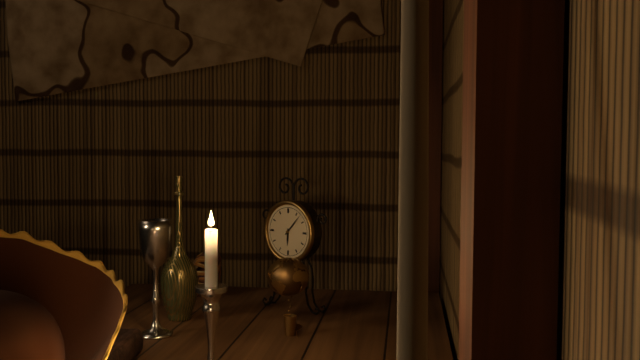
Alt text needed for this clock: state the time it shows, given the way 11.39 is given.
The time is 6.07
